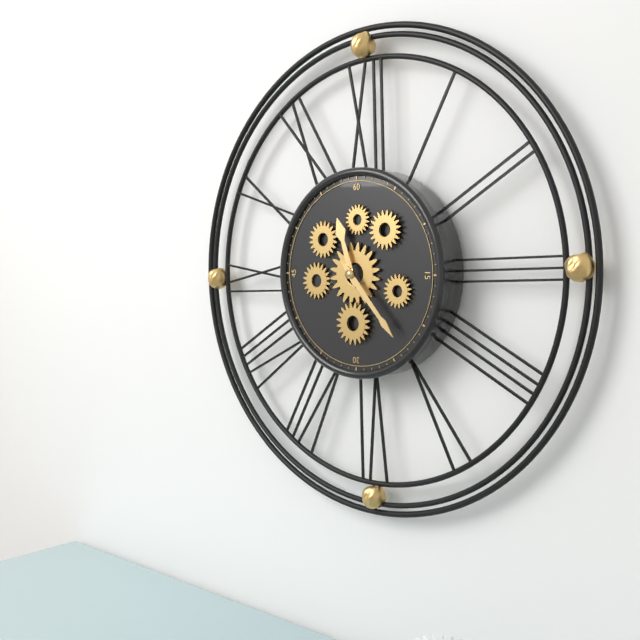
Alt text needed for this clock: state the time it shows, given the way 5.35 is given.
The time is 11.23
